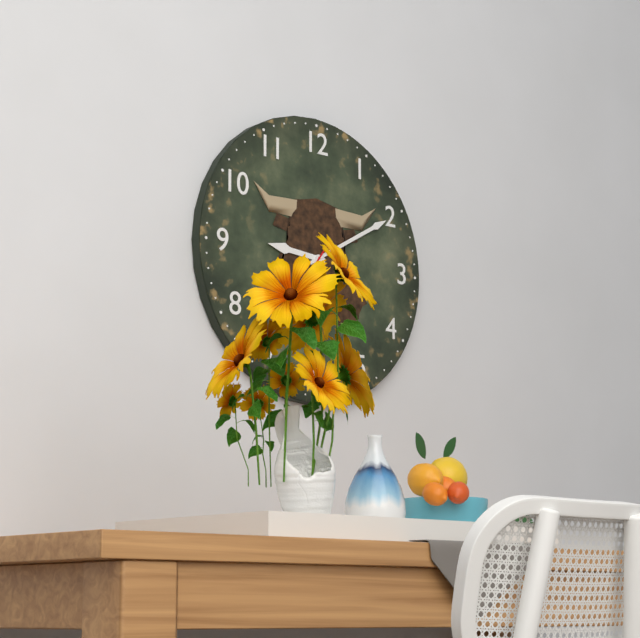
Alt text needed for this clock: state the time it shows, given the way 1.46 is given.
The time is 9.10
